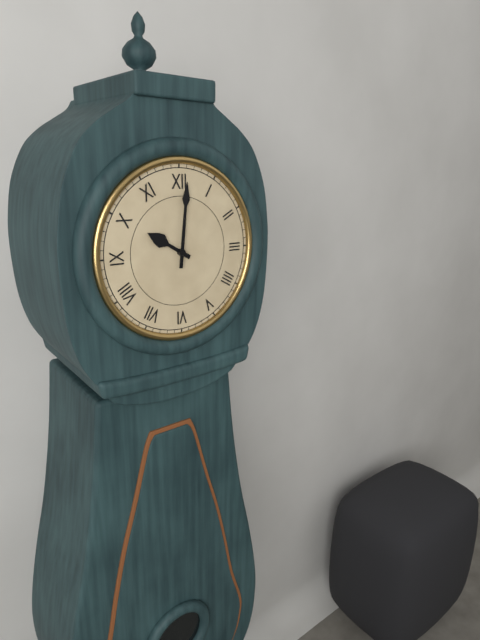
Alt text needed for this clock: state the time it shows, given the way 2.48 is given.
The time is 10.01
